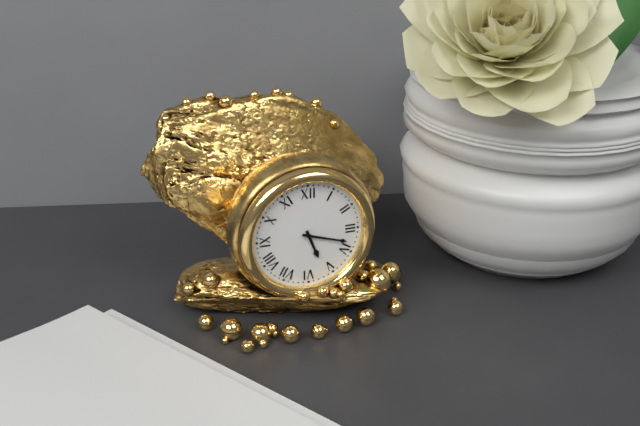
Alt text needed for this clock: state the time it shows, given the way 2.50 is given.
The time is 5.18
